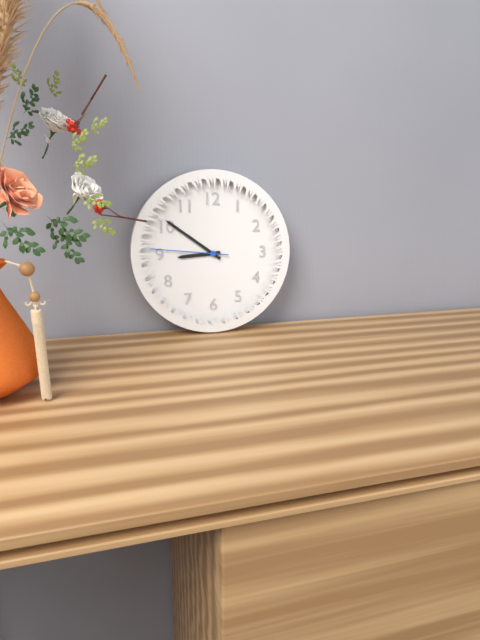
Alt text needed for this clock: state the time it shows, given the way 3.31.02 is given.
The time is 8.51.46
